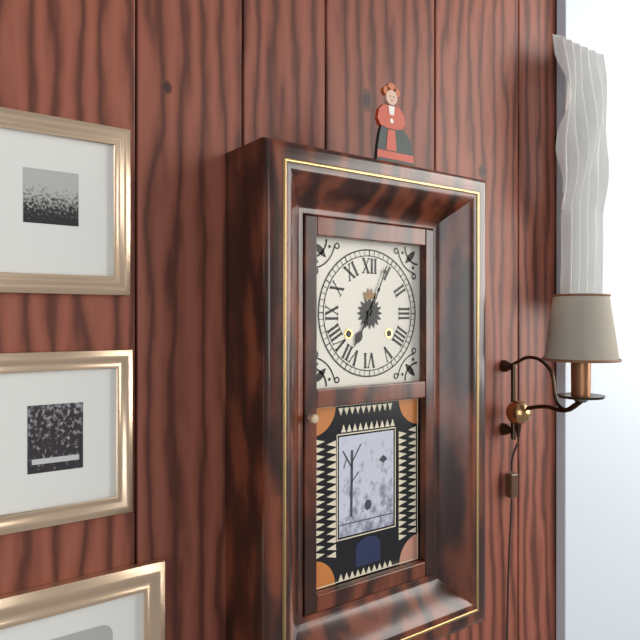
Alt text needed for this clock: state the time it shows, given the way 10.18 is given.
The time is 7.04
